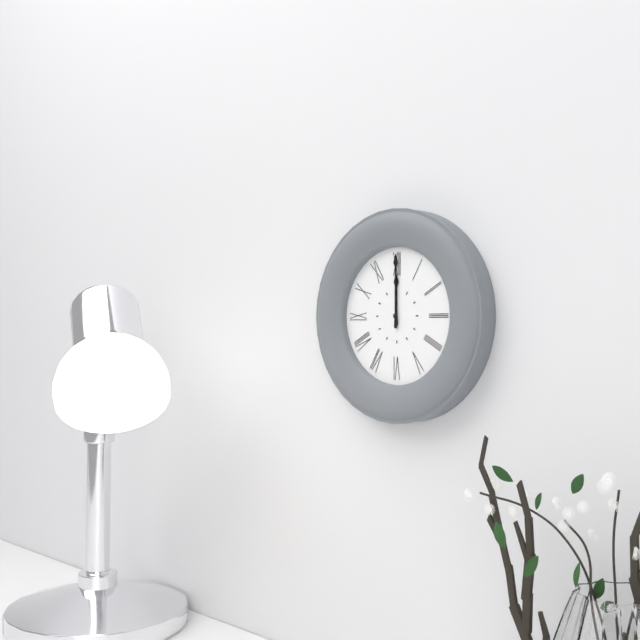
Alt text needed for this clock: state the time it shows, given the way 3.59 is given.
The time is 12.00
